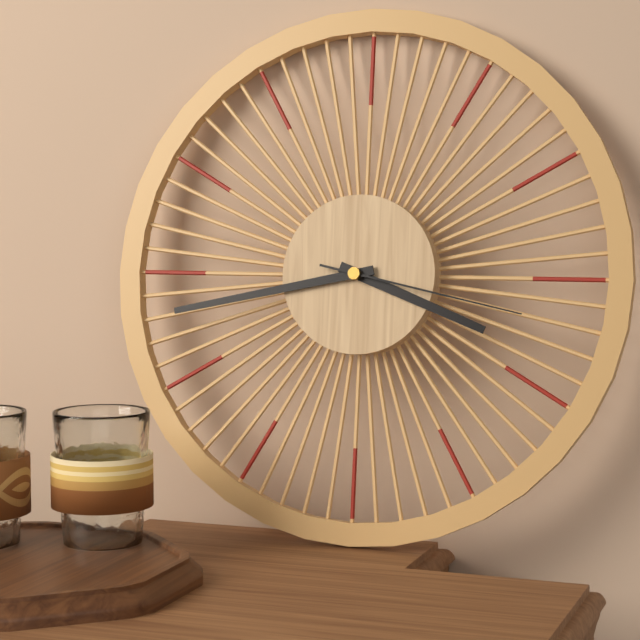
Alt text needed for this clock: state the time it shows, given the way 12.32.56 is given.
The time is 3.43.17
